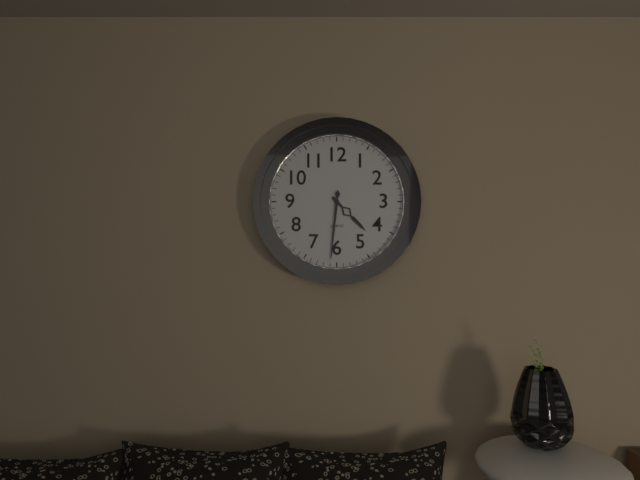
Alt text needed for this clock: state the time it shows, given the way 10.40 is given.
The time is 4.31
